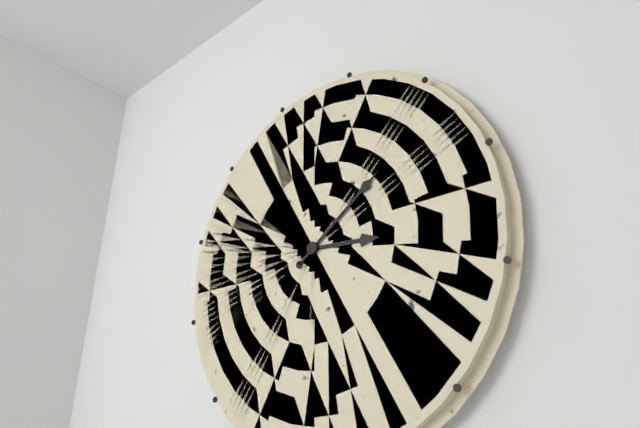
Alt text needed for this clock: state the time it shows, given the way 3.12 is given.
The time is 3.09
